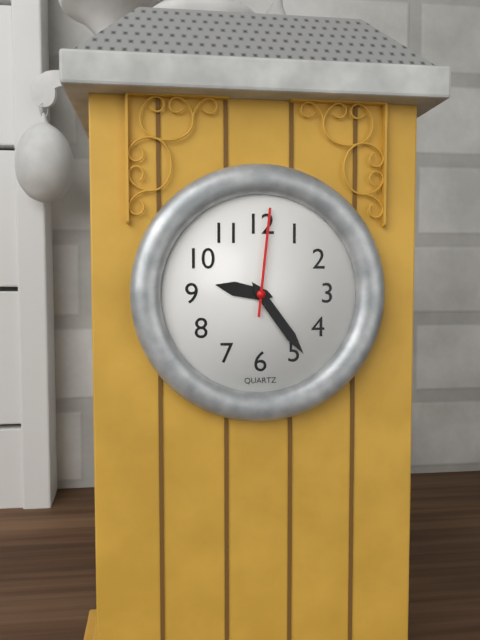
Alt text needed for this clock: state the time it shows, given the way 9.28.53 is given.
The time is 9.24.01
